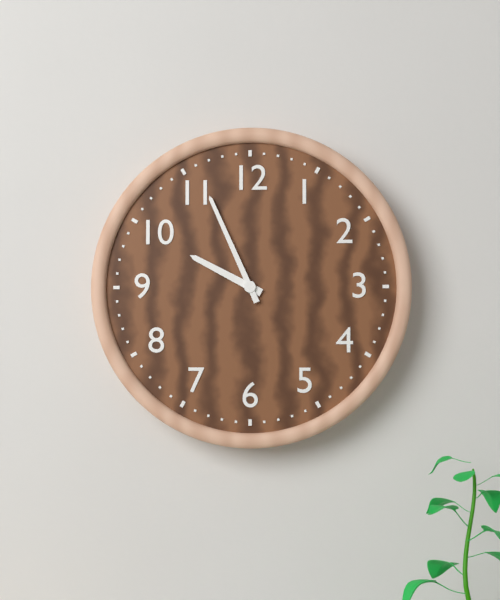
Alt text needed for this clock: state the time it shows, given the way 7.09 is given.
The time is 9.56
